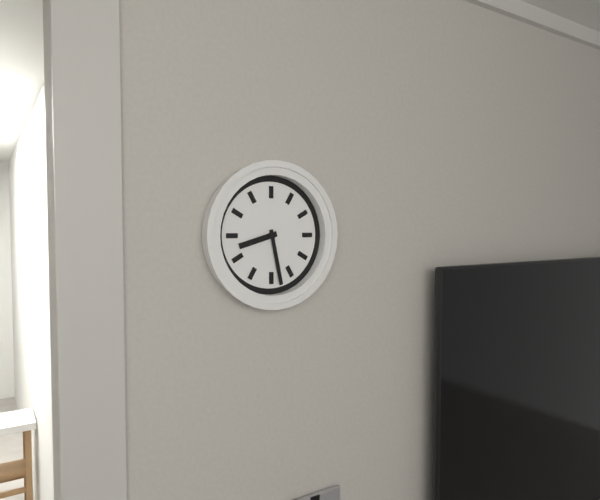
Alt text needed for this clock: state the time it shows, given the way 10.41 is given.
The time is 8.28
